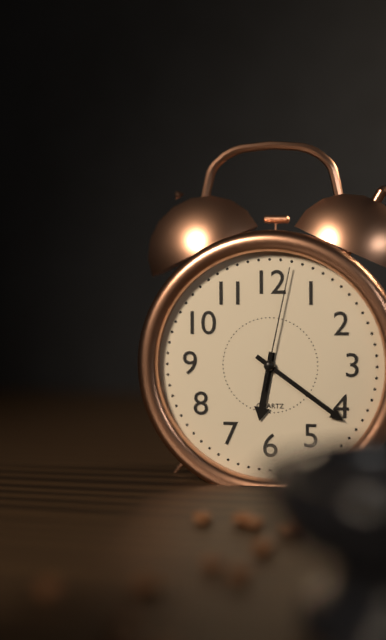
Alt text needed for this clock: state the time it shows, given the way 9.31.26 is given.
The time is 6.21.02
